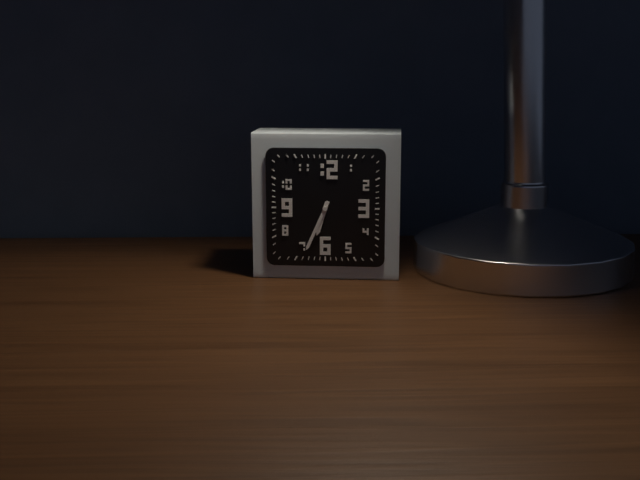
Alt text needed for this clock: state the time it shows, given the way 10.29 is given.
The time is 6.34
